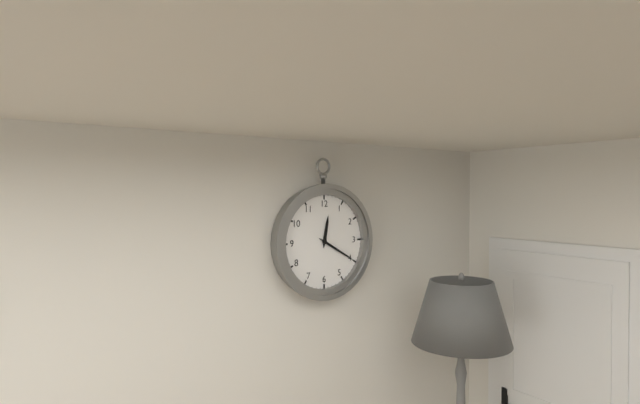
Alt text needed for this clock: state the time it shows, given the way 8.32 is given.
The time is 12.20
